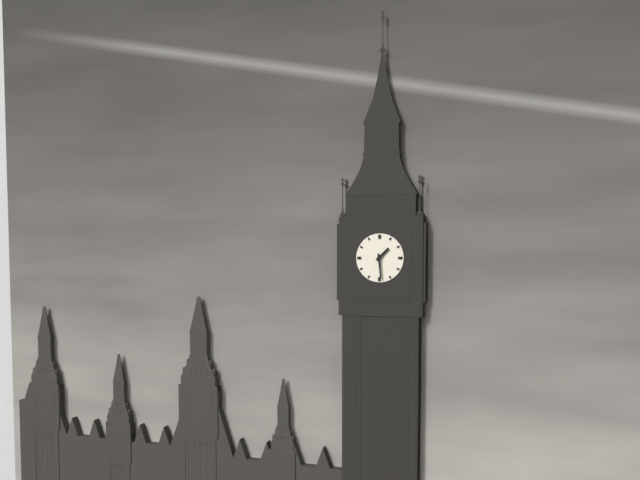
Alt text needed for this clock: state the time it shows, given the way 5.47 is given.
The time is 1.29
